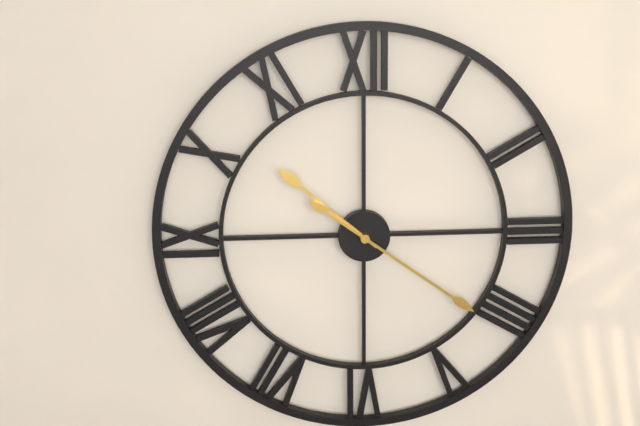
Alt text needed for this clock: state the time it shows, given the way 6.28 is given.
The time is 10.21
